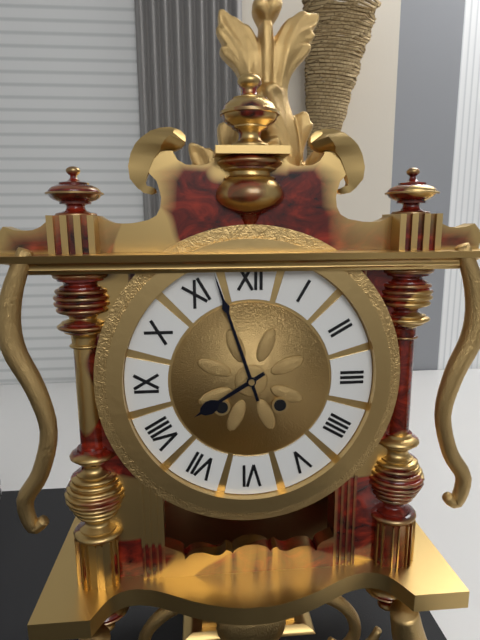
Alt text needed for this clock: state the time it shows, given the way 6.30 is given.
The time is 7.57
